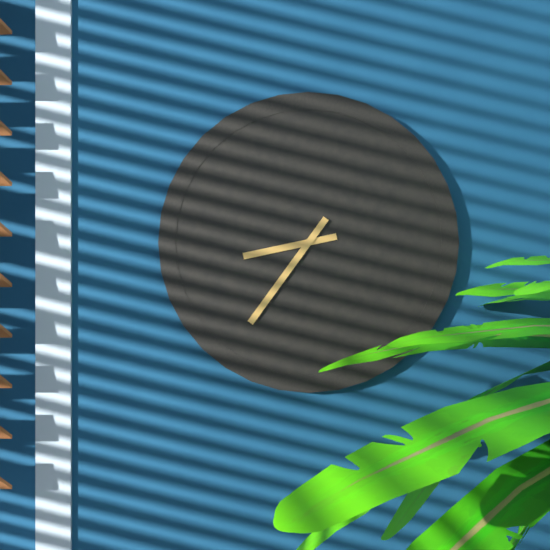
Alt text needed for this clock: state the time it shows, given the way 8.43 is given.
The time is 8.36
